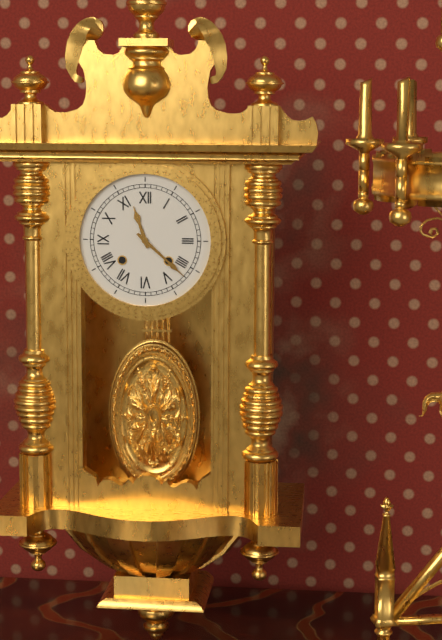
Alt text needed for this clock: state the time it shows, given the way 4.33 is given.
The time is 11.22
